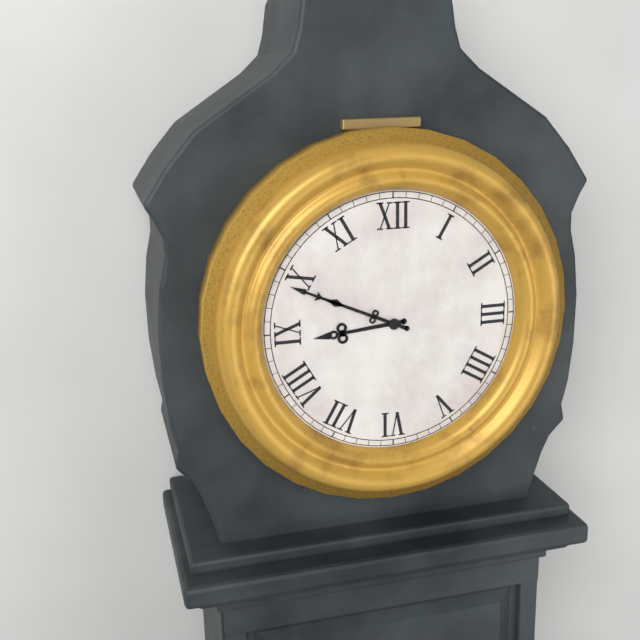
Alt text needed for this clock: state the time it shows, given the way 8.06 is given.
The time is 8.49
